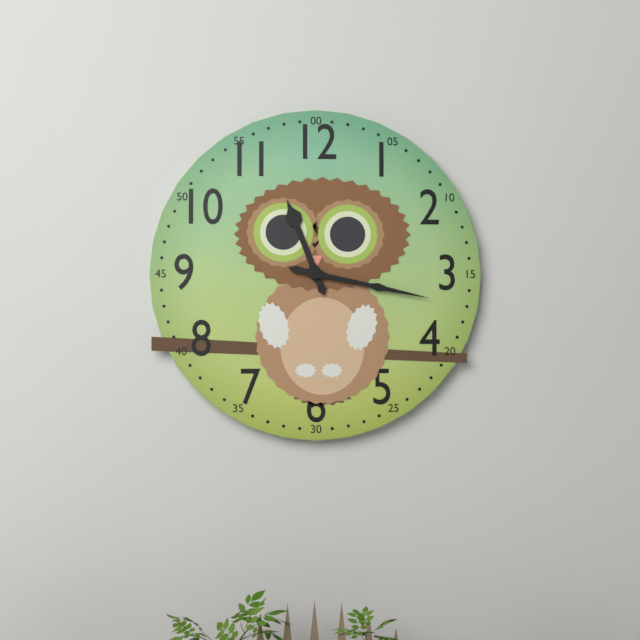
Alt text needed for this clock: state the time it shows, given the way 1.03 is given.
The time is 11.17
